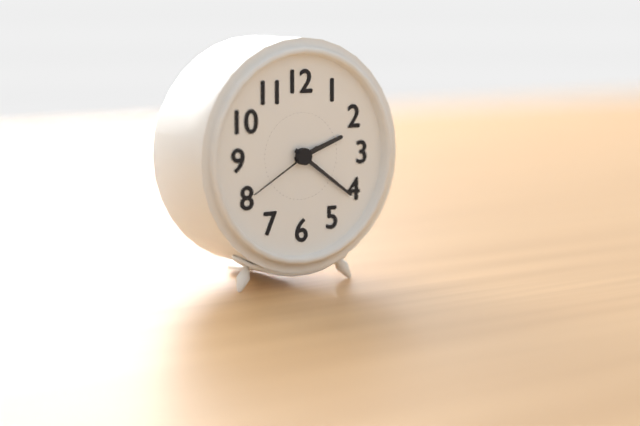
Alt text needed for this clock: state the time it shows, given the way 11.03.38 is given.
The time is 2.21.40
